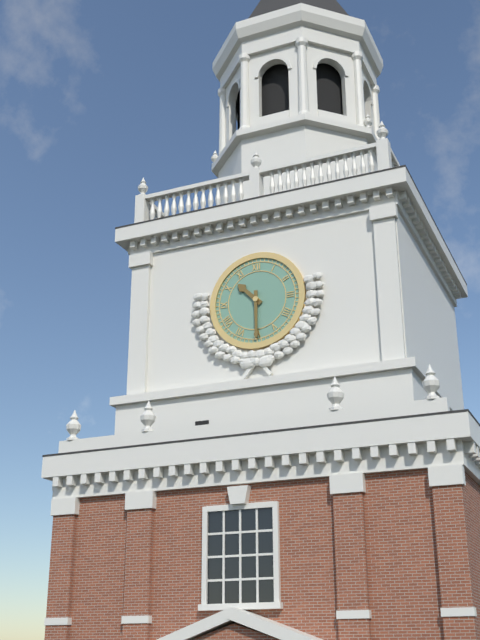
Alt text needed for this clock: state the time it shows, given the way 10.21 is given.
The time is 10.30
